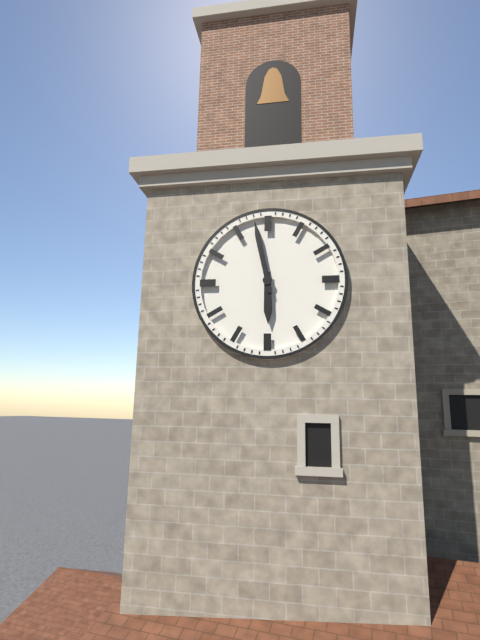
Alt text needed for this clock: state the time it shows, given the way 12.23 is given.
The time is 5.58
